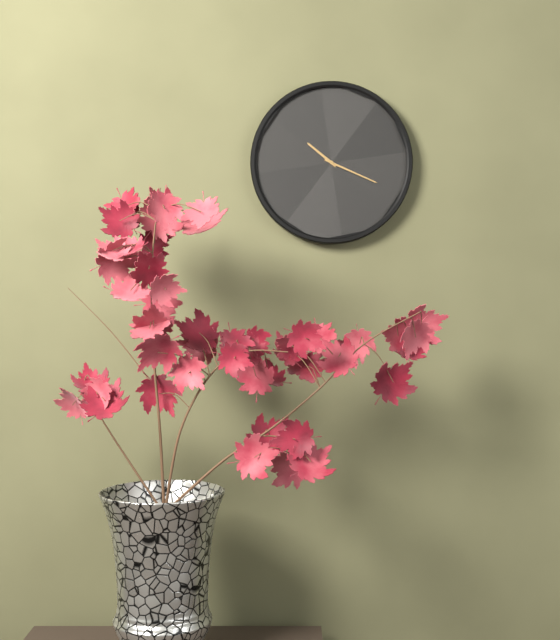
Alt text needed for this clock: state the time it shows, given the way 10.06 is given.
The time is 10.19
